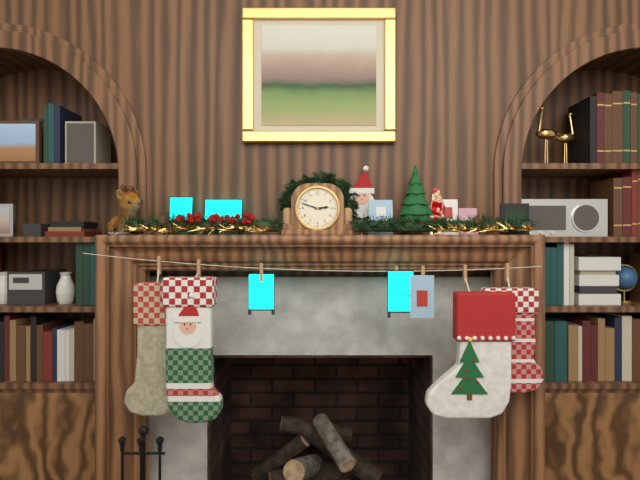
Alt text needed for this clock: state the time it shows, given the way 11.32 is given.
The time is 2.48
